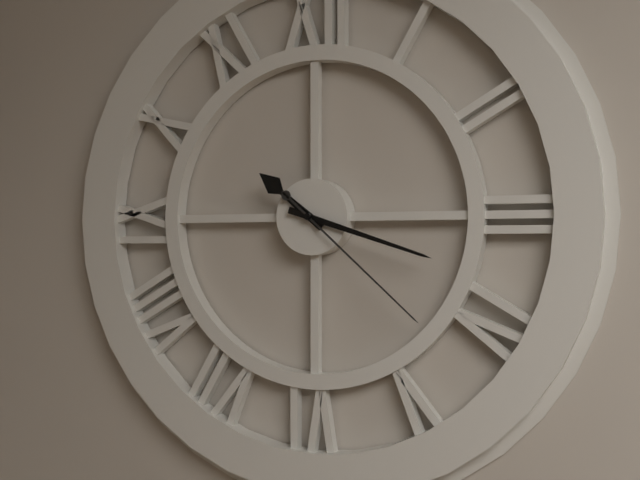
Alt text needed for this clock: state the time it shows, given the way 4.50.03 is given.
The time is 10.18.22
